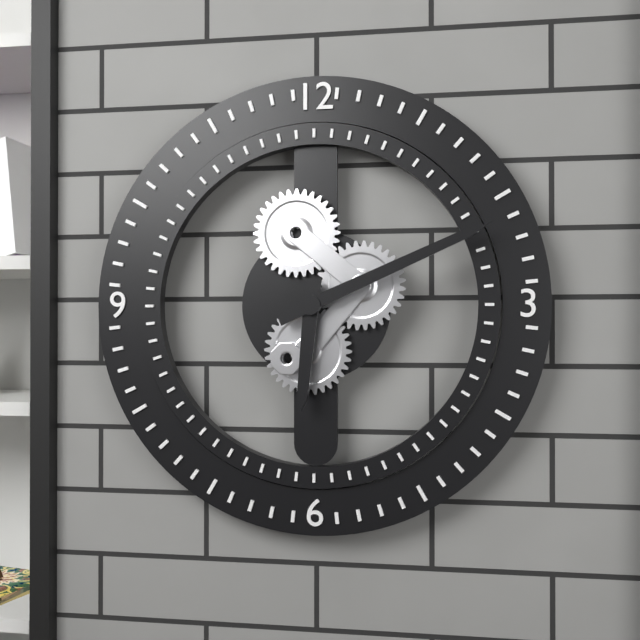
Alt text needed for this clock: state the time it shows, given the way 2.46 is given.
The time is 6.11
